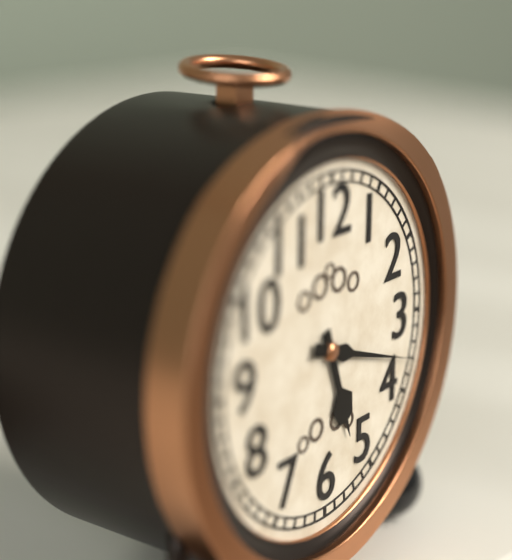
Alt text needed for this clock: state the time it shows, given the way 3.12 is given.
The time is 5.18
